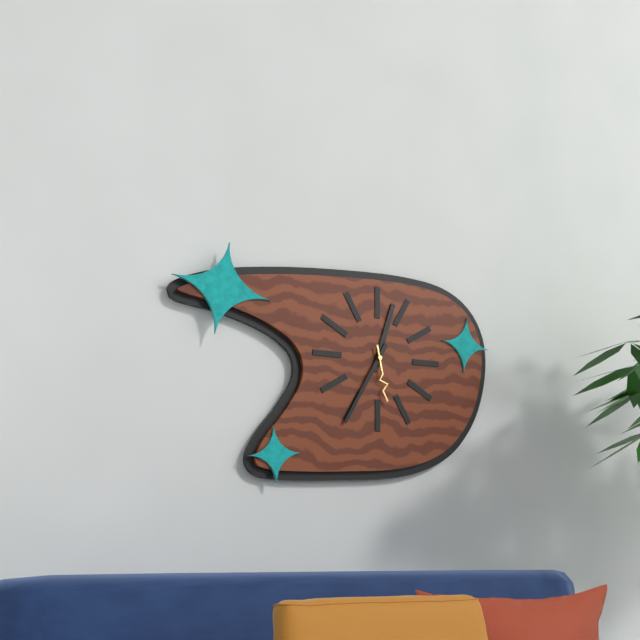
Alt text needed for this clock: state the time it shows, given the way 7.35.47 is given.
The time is 12.35.28
